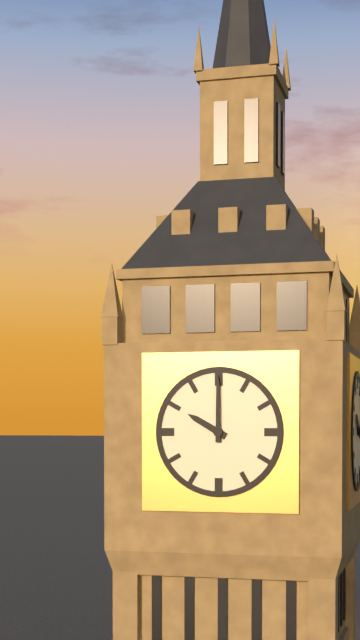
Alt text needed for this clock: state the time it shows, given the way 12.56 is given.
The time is 10.00
